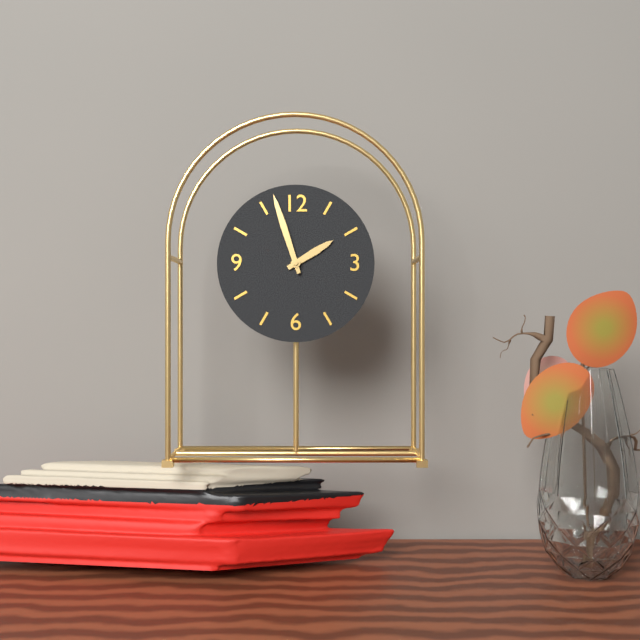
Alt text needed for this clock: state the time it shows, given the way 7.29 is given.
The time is 1.57
